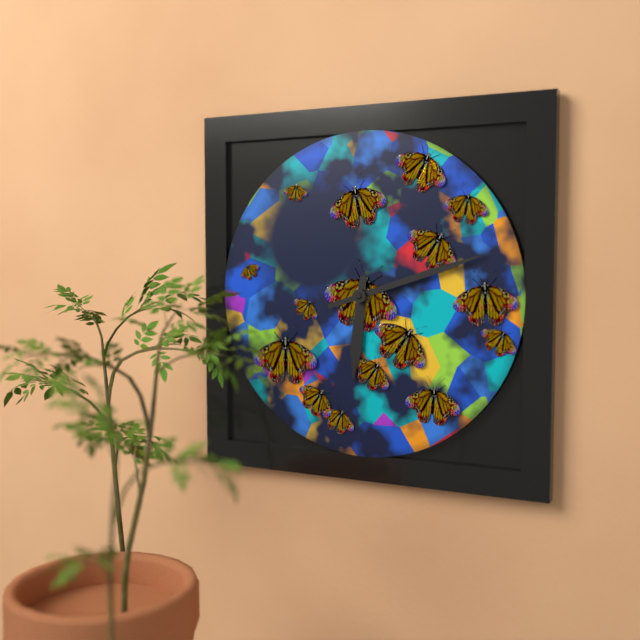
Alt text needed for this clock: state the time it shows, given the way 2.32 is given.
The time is 6.12
